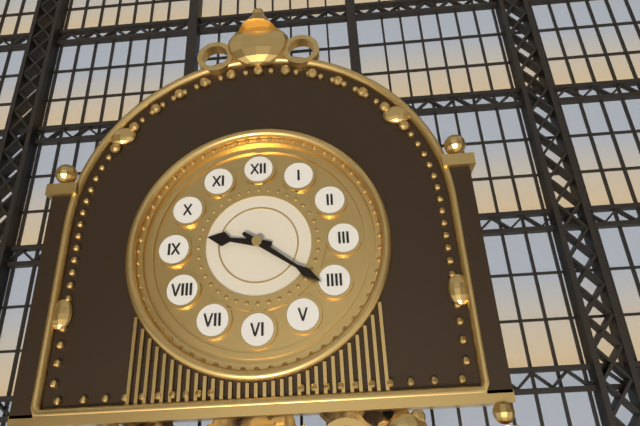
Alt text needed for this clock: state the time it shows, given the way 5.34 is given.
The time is 9.21
